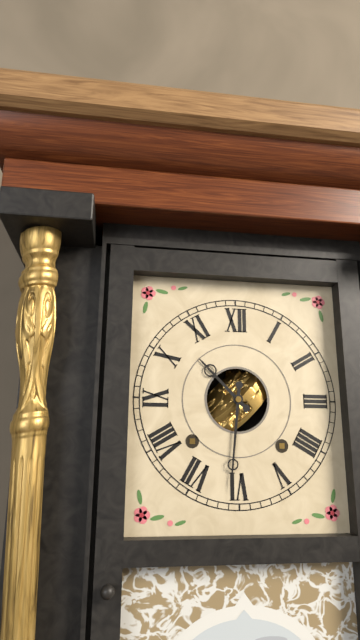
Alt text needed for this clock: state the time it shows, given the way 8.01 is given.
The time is 10.31
